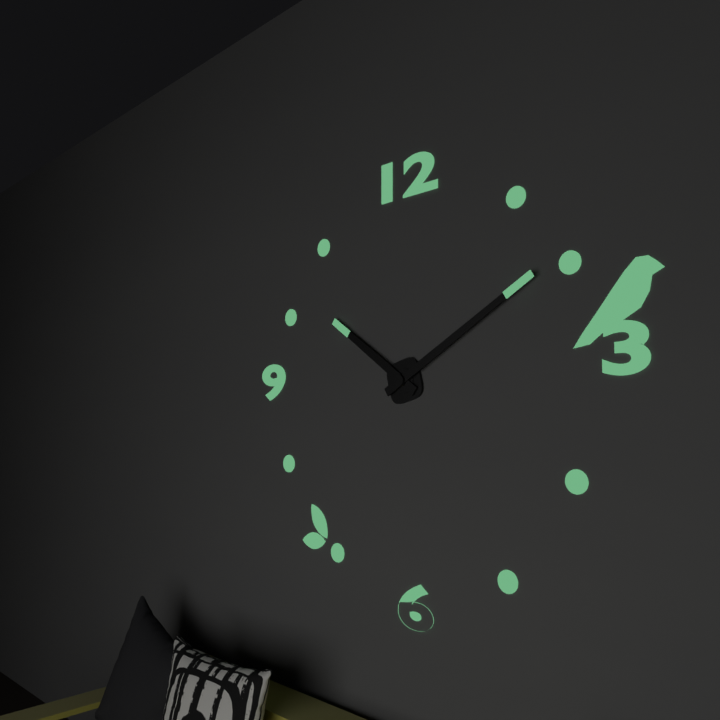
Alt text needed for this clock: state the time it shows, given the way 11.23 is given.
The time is 10.10
